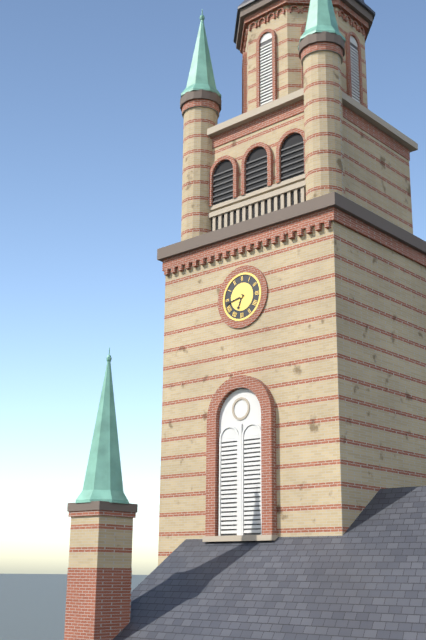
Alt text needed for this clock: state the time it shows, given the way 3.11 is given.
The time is 6.43
